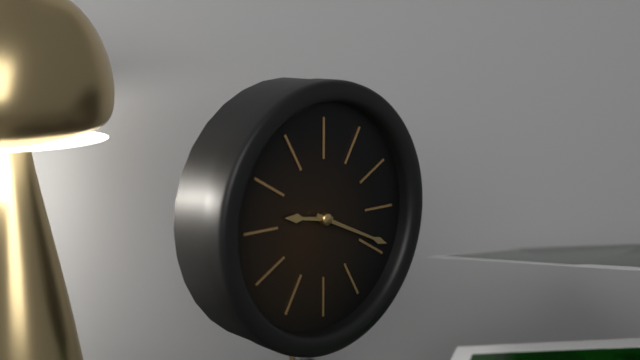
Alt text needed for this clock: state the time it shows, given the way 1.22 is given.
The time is 9.19
